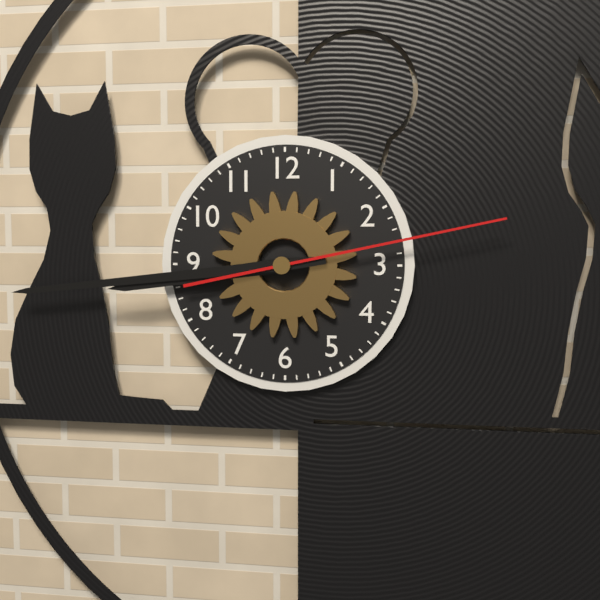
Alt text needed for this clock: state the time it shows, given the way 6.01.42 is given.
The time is 8.44.13
